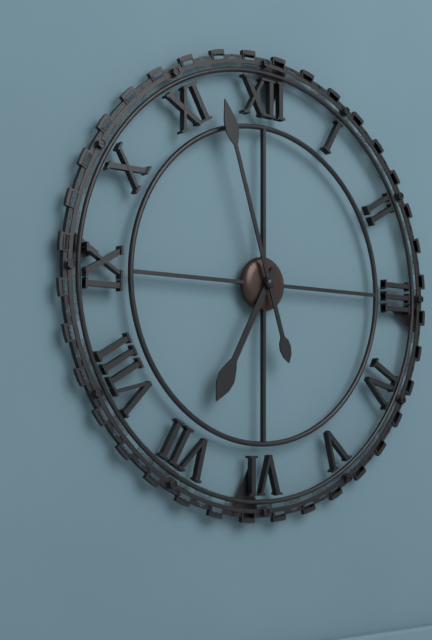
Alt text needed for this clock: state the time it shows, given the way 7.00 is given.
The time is 6.57
